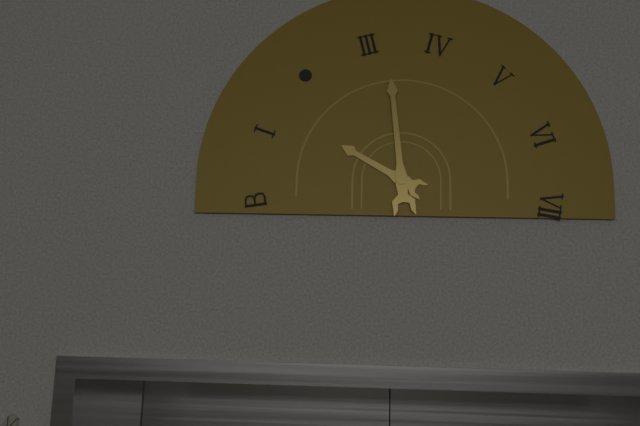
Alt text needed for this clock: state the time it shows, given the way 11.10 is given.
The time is 9.59
